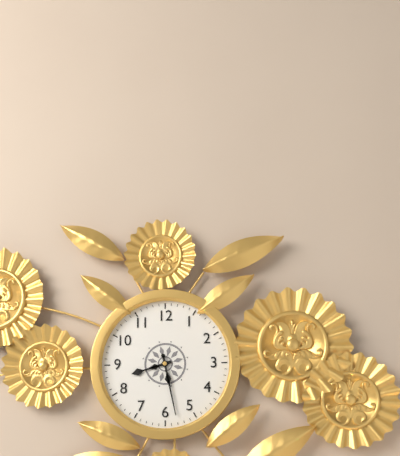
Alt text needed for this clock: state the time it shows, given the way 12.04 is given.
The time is 8.28
